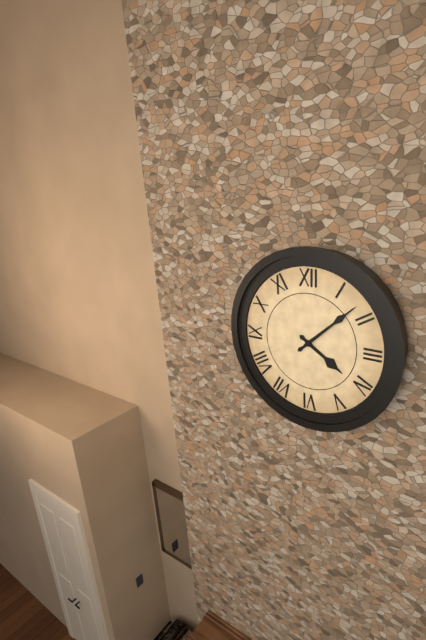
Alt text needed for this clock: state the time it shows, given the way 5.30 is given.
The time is 4.08
